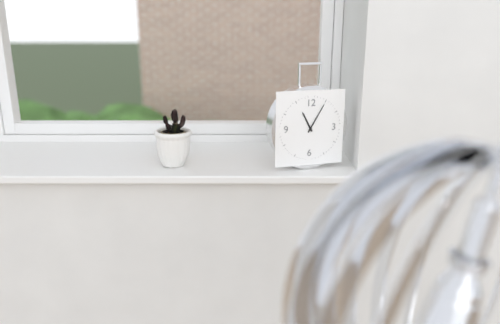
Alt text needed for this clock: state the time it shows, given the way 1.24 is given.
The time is 11.05
